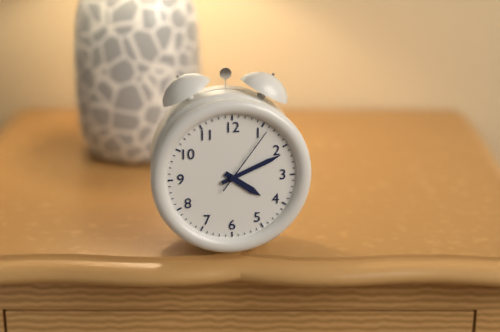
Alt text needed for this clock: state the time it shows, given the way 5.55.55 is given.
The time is 4.11.06
